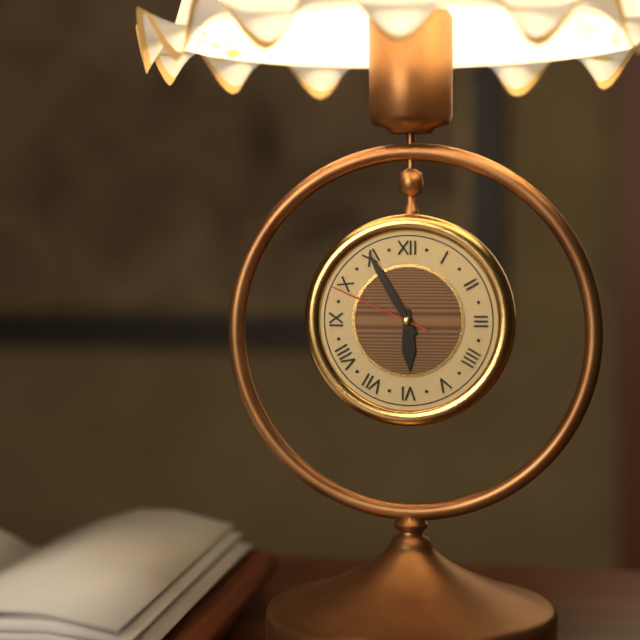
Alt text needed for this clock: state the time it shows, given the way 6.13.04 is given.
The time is 5.55.49
